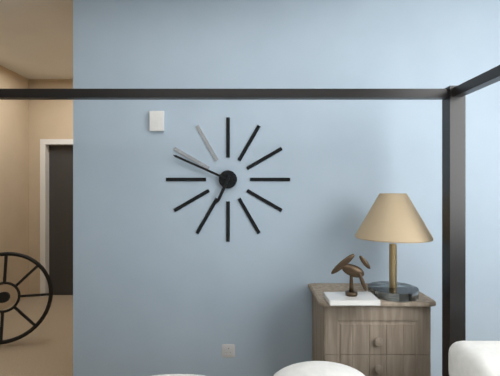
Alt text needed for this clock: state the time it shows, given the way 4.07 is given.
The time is 6.49
